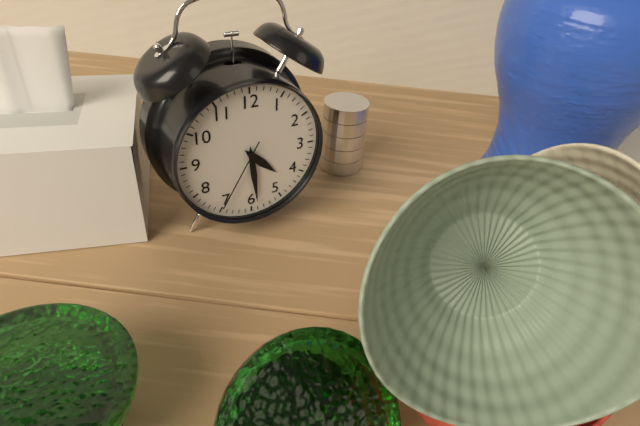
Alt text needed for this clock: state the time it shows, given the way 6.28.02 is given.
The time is 4.29.35
